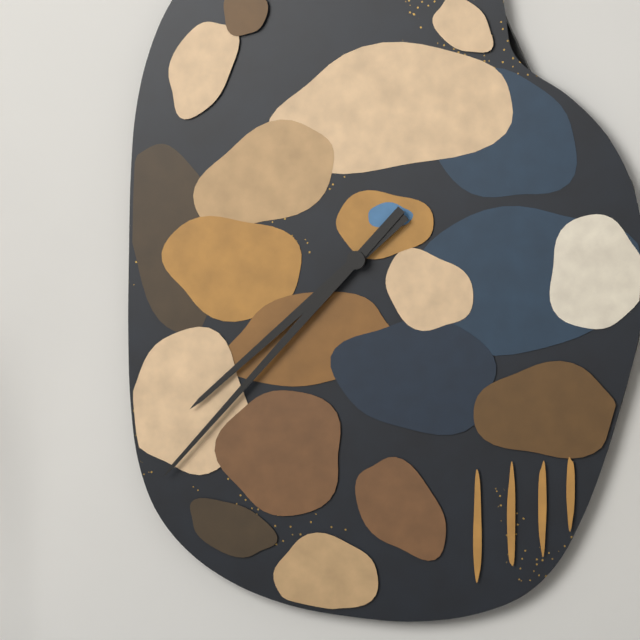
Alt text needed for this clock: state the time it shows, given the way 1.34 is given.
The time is 7.37
